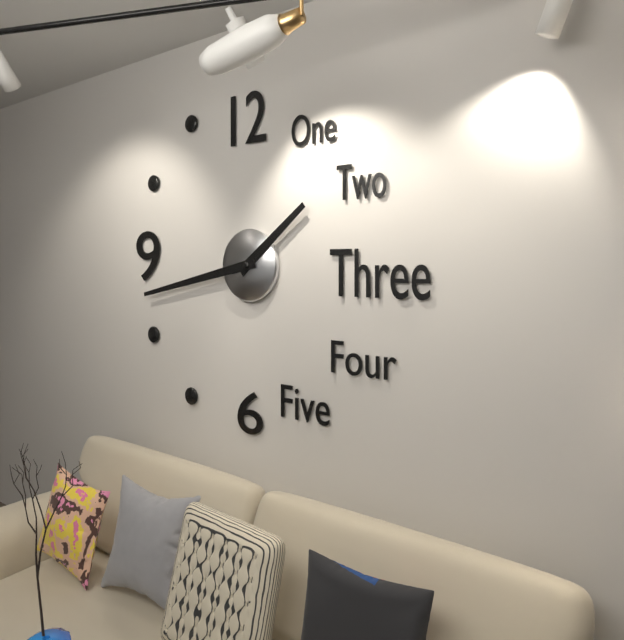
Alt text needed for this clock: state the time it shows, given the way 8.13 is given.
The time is 1.43
